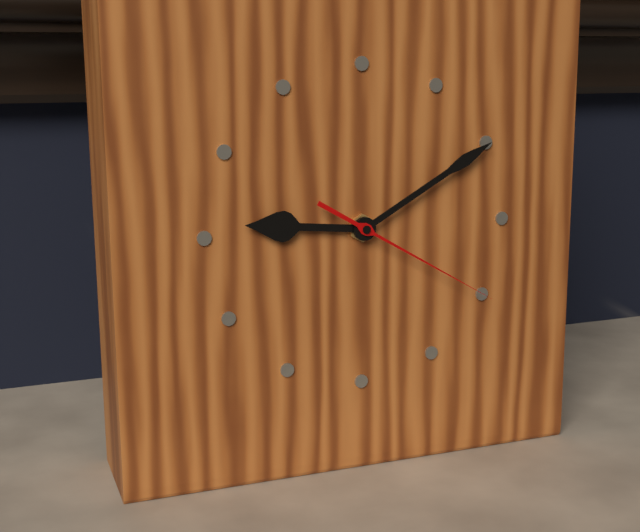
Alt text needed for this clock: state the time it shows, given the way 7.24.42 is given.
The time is 9.10.20
